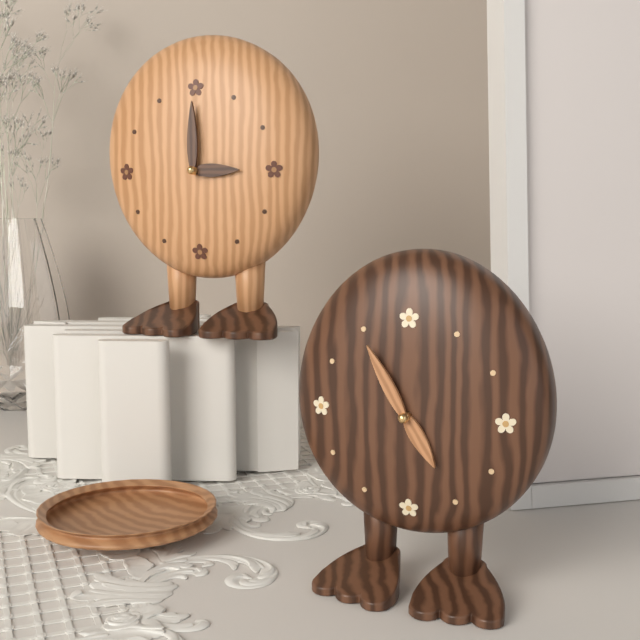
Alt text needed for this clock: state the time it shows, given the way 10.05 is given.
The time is 4.55
